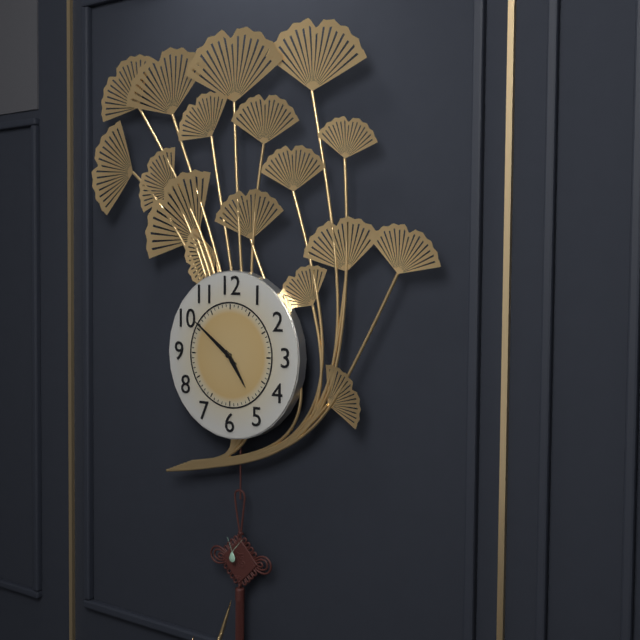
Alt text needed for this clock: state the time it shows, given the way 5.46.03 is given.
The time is 4.51.51
